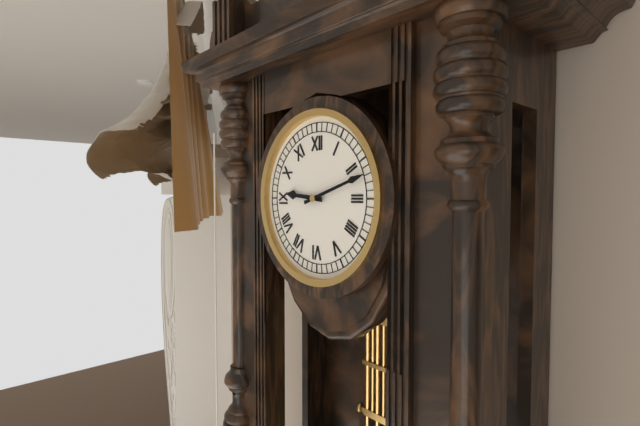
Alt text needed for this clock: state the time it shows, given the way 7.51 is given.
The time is 9.12
